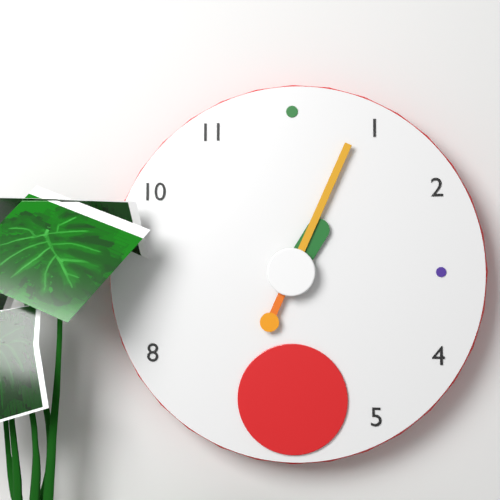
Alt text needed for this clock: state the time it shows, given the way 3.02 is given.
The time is 1.04
